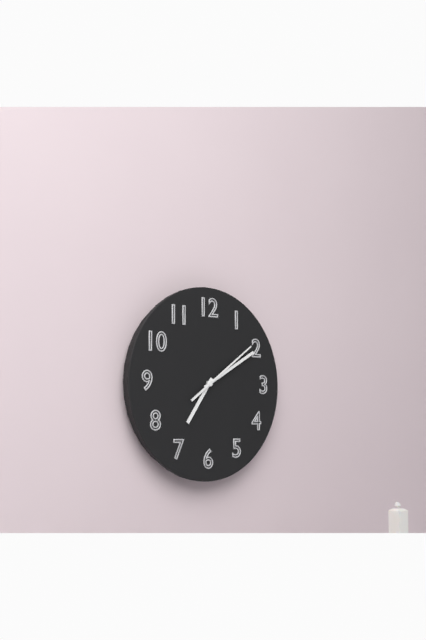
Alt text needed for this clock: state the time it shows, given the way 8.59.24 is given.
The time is 7.10.09
